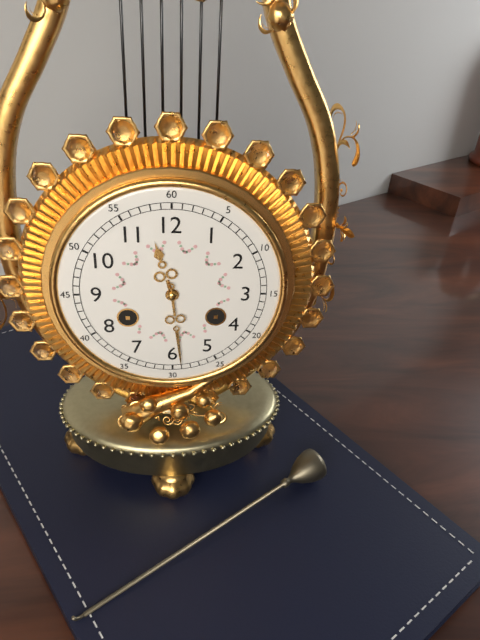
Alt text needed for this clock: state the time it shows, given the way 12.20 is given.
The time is 11.29
